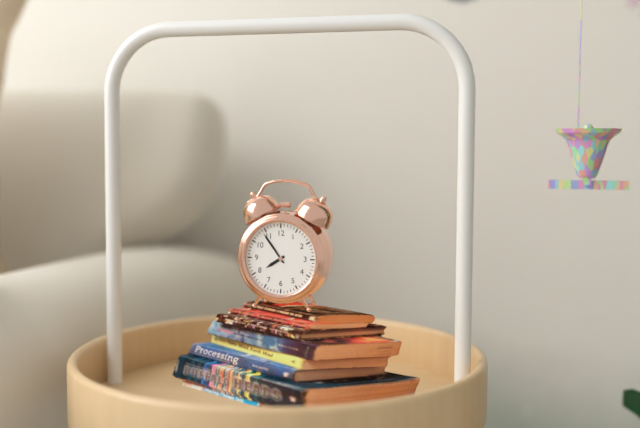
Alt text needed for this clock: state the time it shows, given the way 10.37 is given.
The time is 7.54
